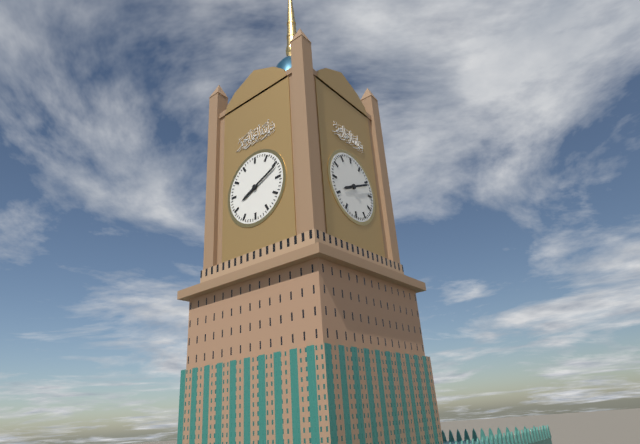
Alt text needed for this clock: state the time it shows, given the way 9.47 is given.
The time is 8.11
